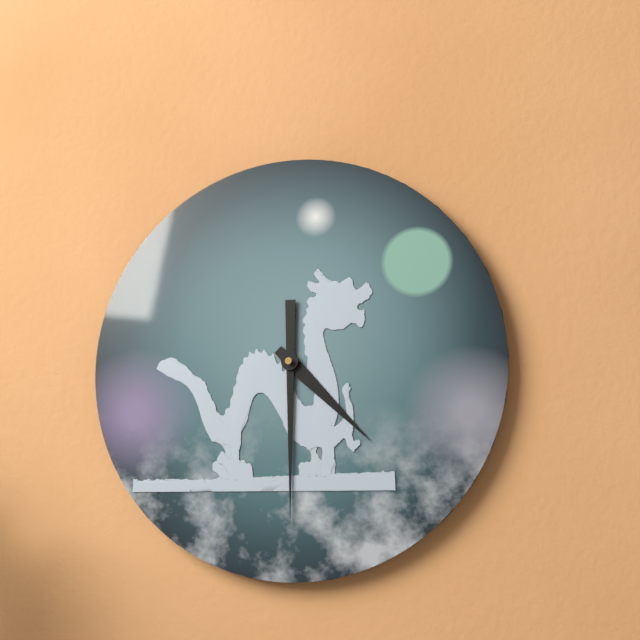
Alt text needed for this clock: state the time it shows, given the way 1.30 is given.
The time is 4.30
